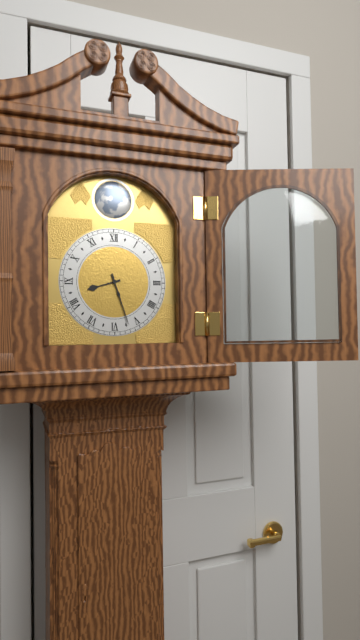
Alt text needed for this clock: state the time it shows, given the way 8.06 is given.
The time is 8.27
